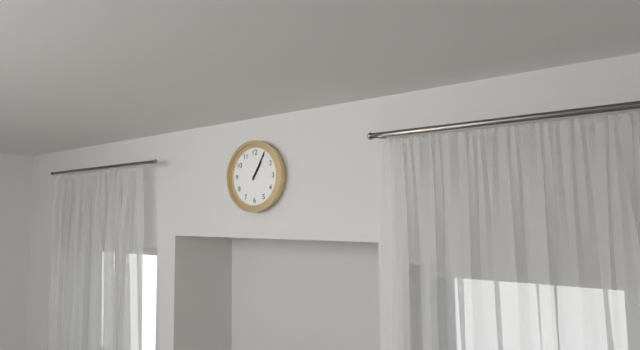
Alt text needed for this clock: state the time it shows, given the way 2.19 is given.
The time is 1.05
